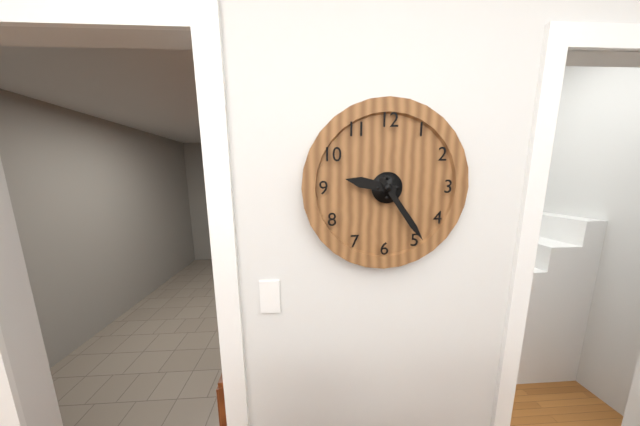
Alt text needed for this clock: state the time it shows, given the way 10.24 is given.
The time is 9.24
